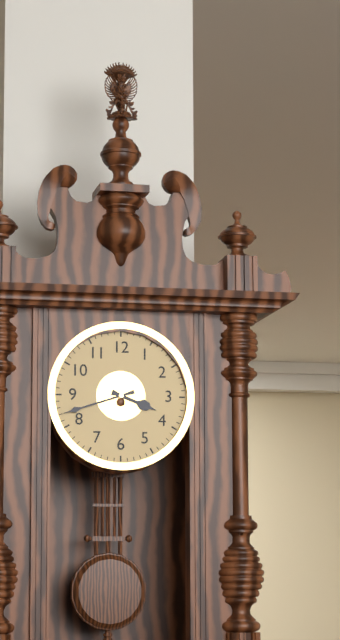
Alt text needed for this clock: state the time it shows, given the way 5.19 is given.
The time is 3.42
